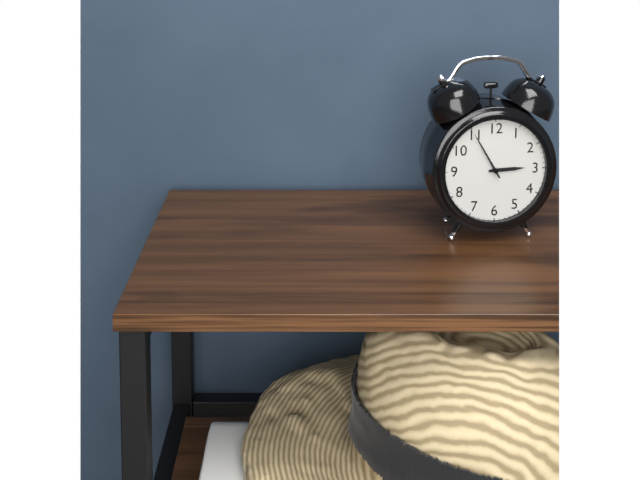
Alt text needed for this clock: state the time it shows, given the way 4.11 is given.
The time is 2.55
